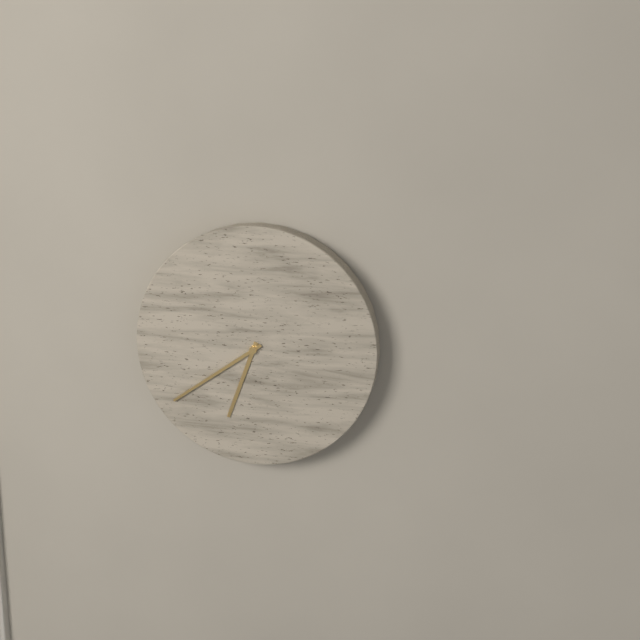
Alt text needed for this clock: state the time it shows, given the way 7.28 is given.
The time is 6.39
